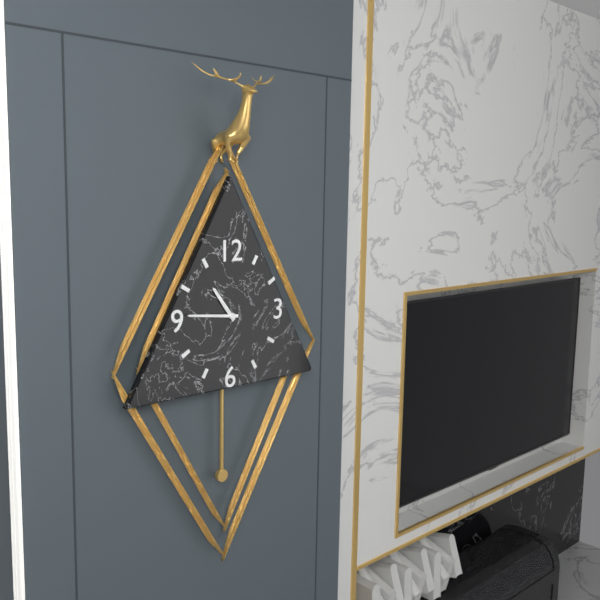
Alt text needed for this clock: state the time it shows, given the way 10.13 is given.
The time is 10.46
